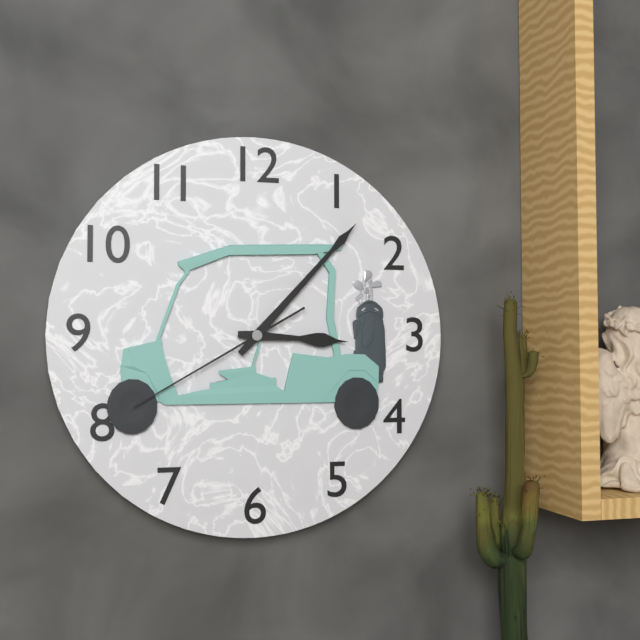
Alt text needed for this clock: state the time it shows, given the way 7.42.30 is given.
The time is 3.07.40
